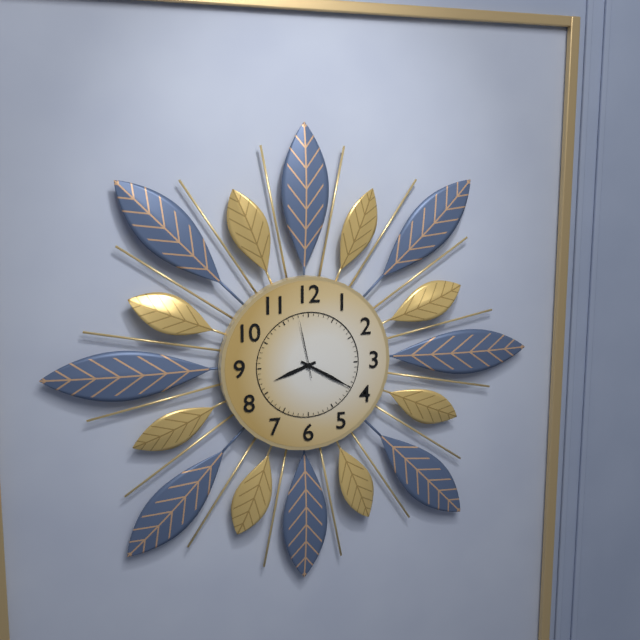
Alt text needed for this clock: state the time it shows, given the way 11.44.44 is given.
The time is 8.20.58
